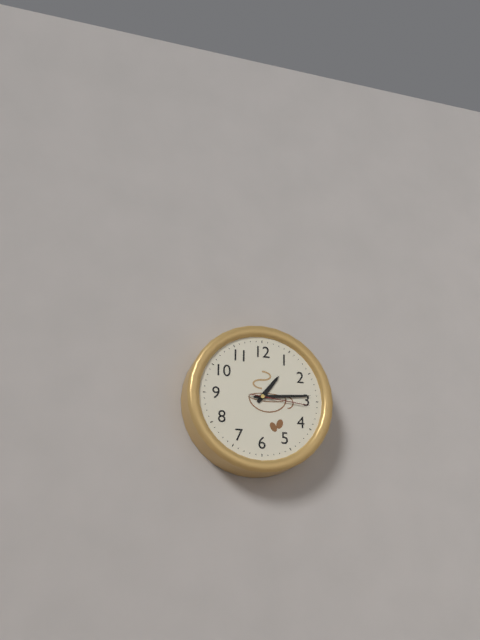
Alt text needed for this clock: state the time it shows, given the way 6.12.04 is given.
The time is 1.14.16
